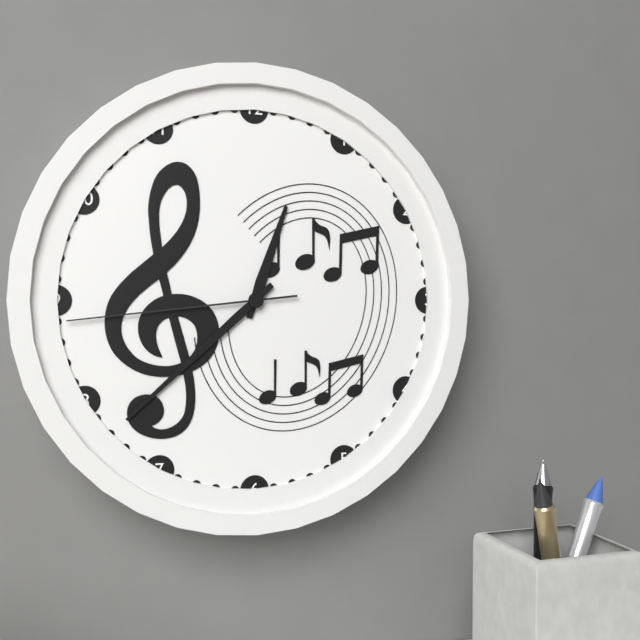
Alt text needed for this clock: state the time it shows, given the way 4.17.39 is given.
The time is 12.38.44
